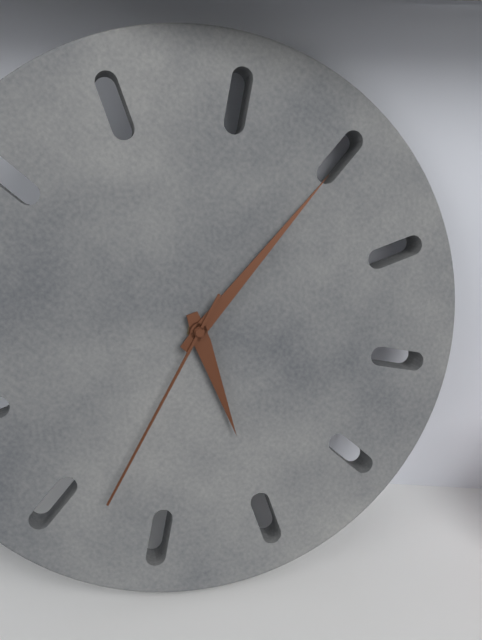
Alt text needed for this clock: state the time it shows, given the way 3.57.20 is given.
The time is 4.00.28
